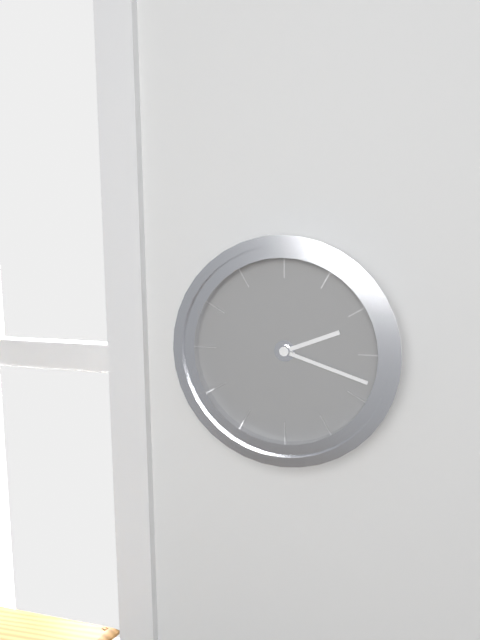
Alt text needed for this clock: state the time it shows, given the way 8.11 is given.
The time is 2.18
